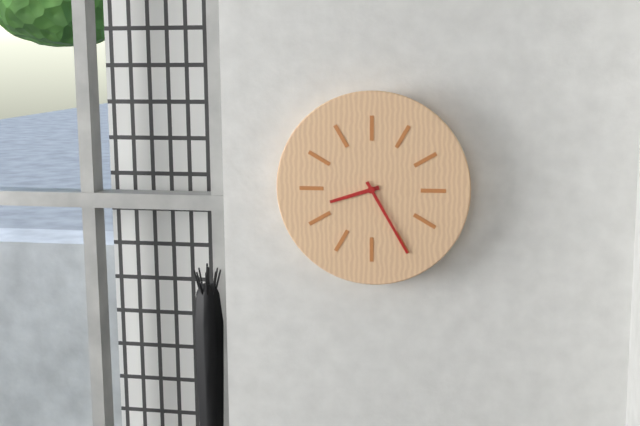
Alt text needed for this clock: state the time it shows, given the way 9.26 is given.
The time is 8.25
